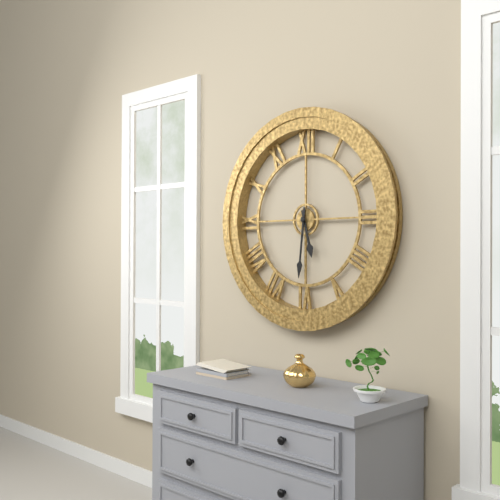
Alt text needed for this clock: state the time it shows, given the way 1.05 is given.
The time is 5.31
